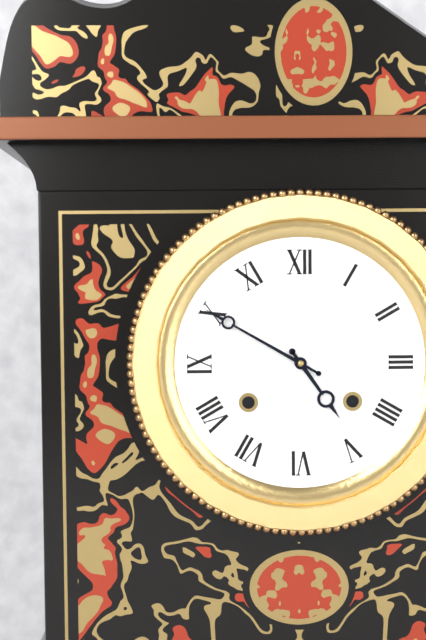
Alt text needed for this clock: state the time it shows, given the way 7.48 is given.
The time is 4.50
